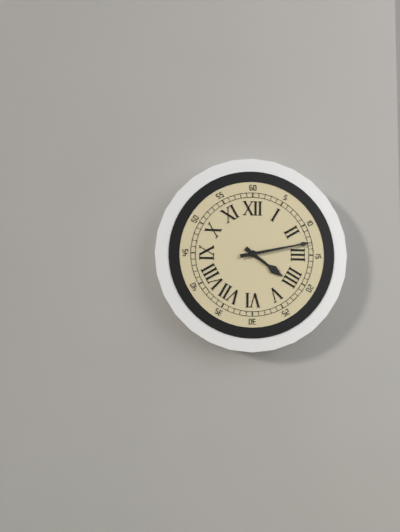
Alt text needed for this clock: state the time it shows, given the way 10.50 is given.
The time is 4.13
